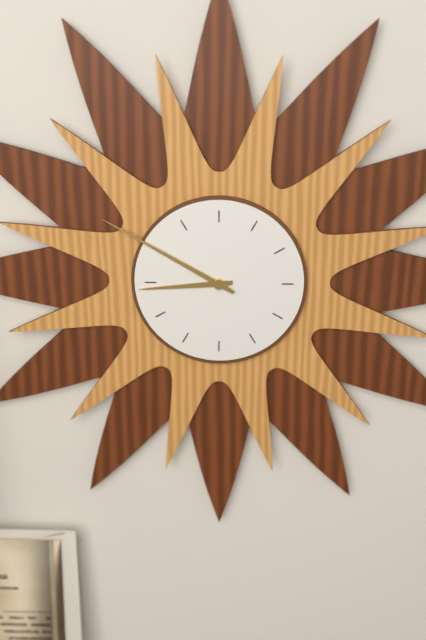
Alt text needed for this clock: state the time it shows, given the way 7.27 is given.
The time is 8.50
